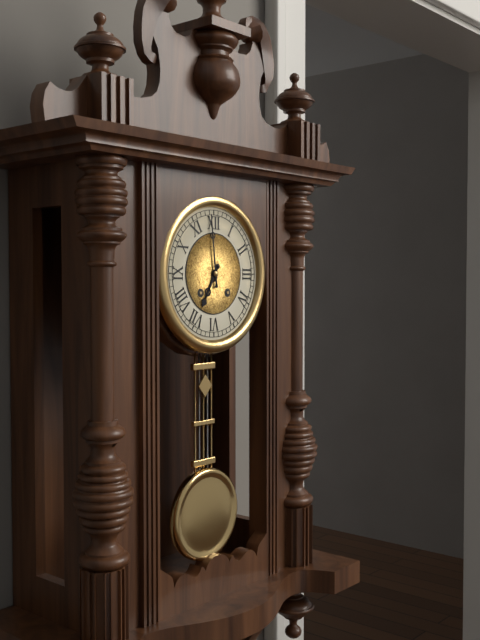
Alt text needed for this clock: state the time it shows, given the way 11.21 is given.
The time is 6.59
